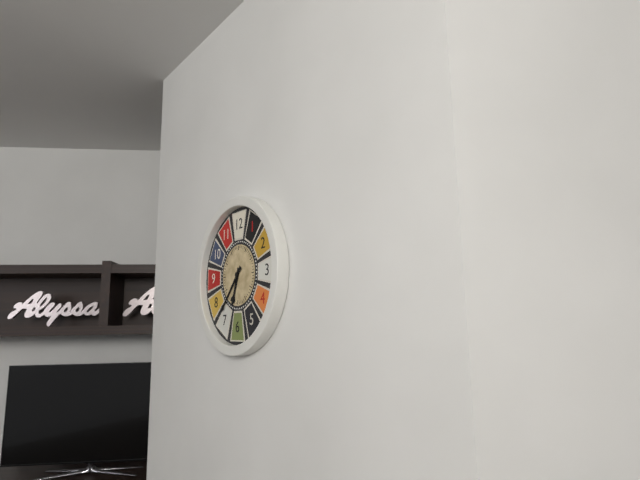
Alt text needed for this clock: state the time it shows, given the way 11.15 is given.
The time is 6.37
